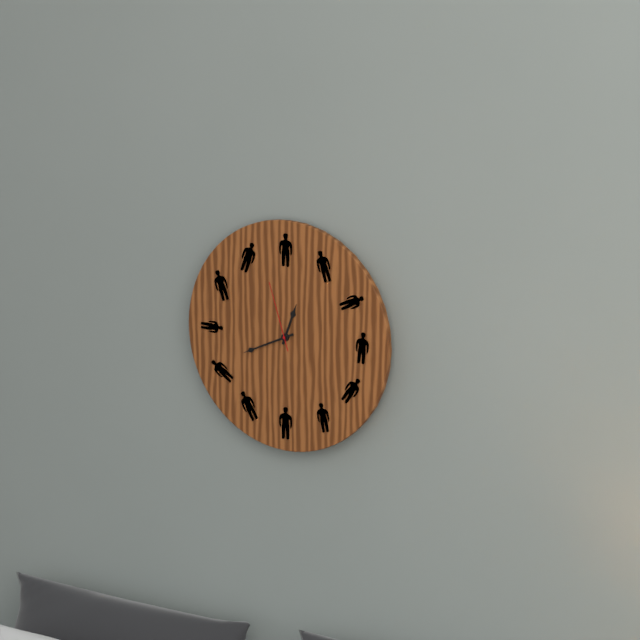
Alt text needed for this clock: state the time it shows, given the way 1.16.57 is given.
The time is 12.41.57
